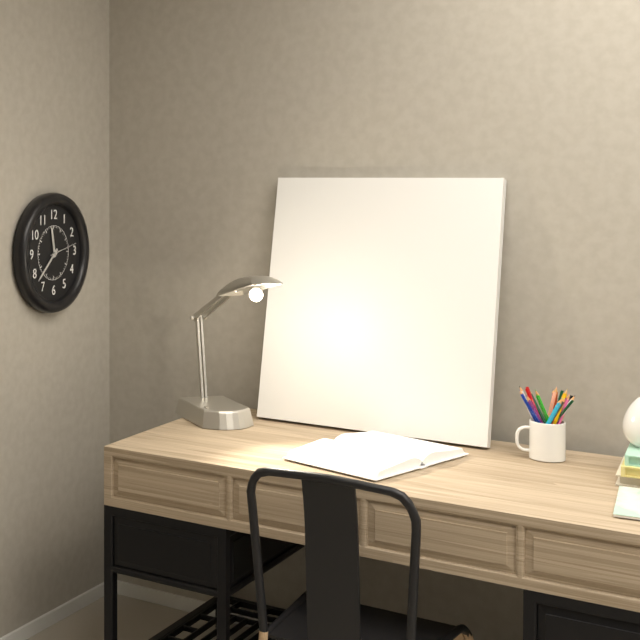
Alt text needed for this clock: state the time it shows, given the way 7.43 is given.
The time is 11.38
